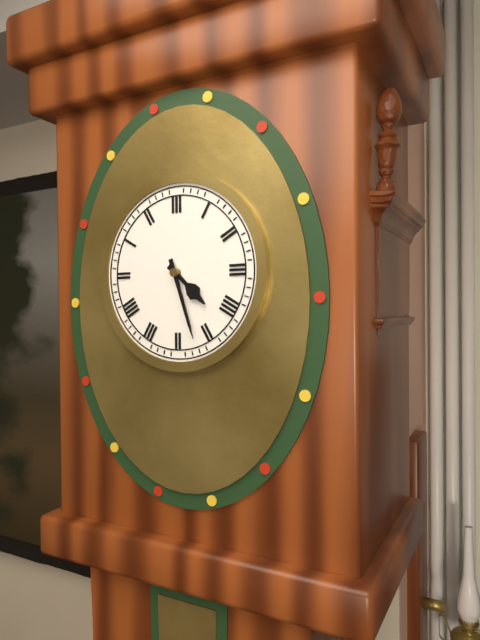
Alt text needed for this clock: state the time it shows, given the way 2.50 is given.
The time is 4.27
